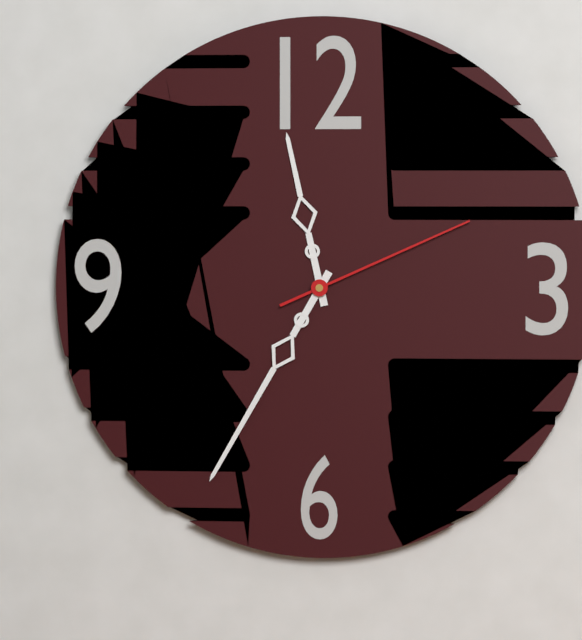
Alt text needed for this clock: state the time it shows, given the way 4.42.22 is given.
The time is 11.35.11
